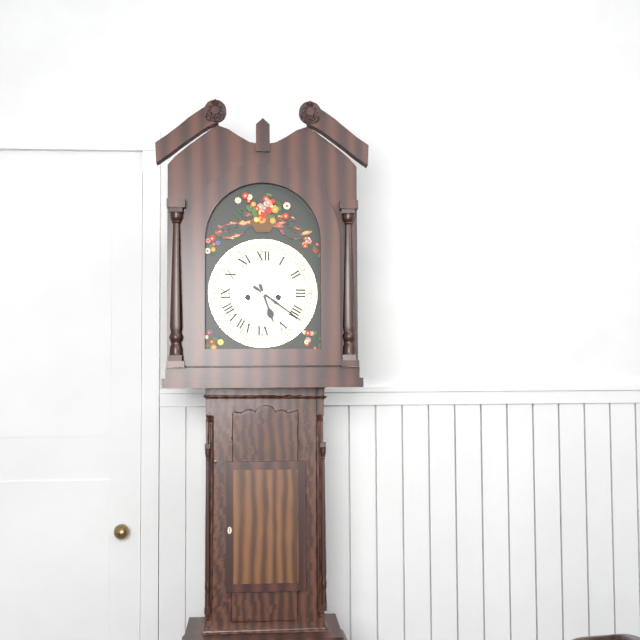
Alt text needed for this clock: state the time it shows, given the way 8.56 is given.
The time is 5.21
